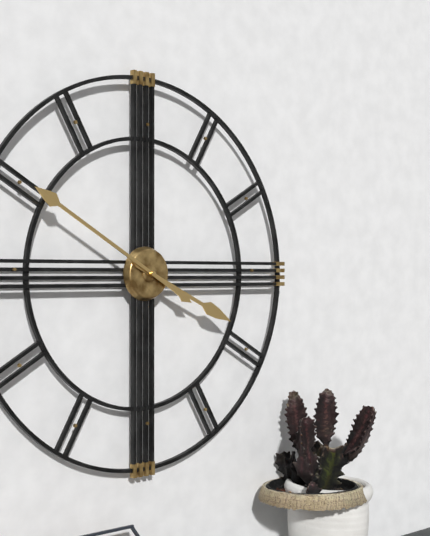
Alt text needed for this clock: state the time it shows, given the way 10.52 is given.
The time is 3.50
